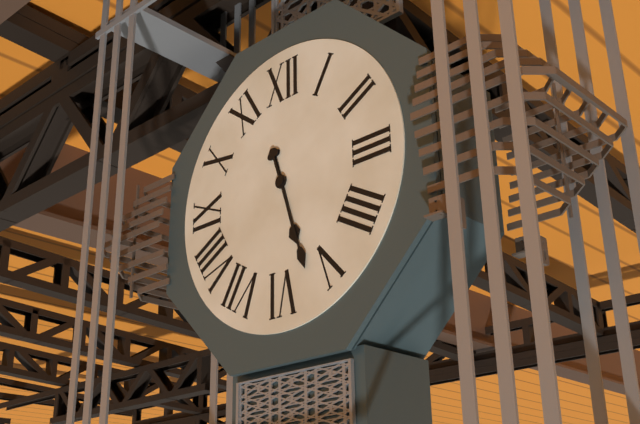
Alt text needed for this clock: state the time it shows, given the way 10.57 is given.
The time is 5.27
